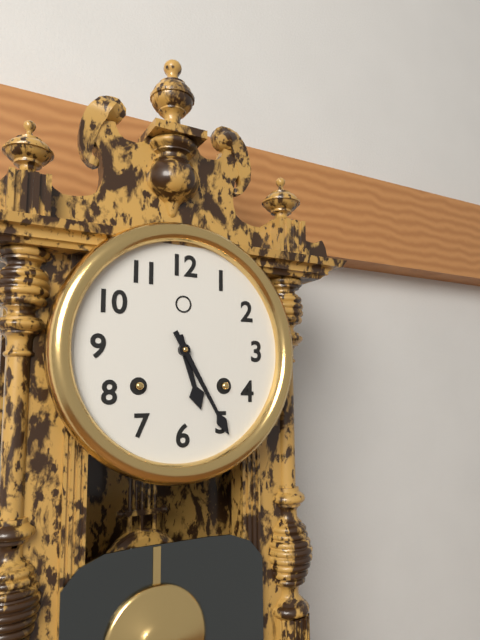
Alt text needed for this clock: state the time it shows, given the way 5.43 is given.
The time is 5.25
